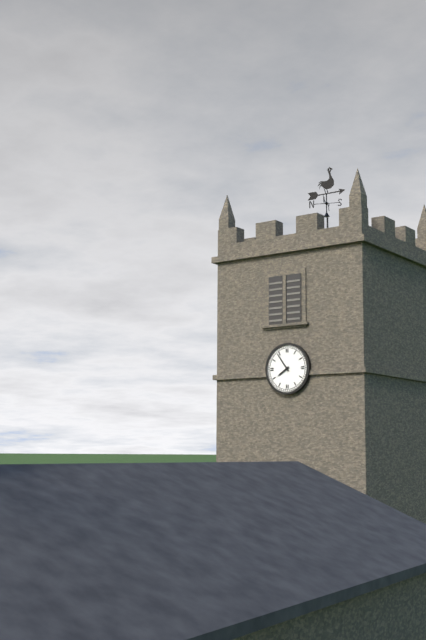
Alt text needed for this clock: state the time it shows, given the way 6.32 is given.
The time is 7.54
